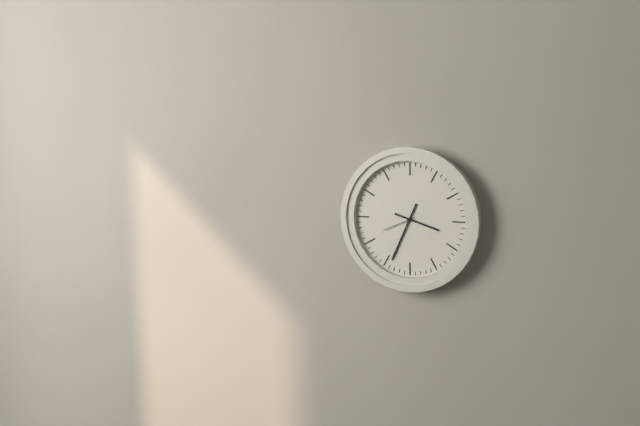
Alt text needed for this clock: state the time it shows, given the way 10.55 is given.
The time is 3.34
